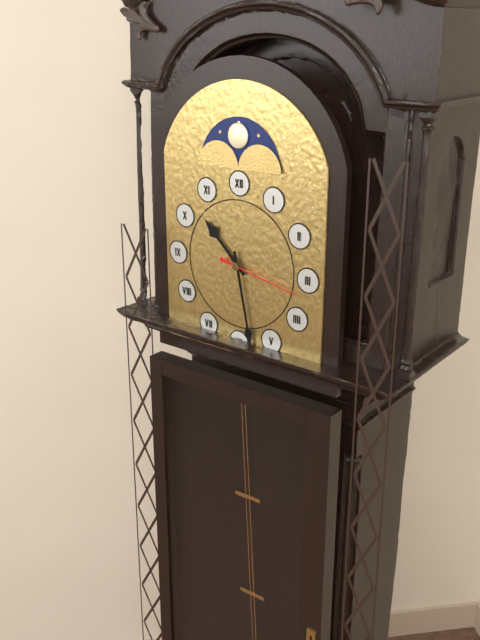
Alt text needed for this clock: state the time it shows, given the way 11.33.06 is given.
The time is 10.28.17
